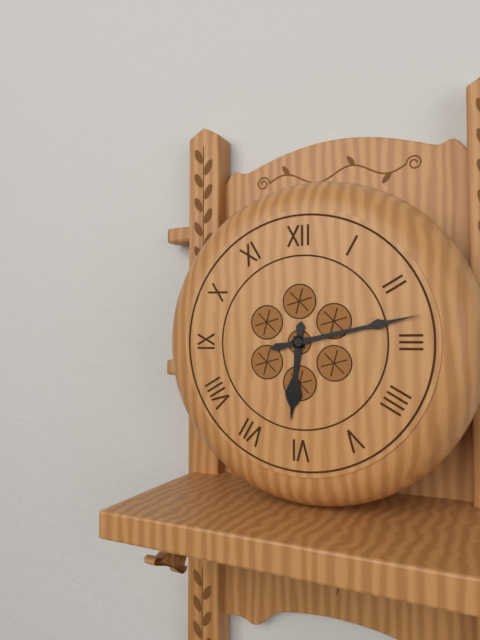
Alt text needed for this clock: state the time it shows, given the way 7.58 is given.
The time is 6.13
